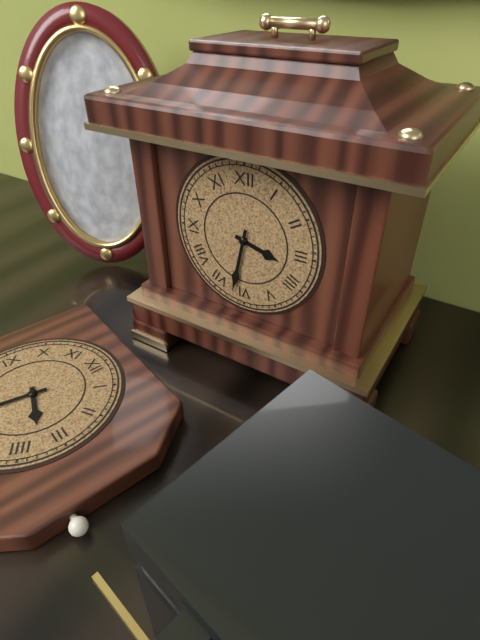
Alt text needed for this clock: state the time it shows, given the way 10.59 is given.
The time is 3.32
